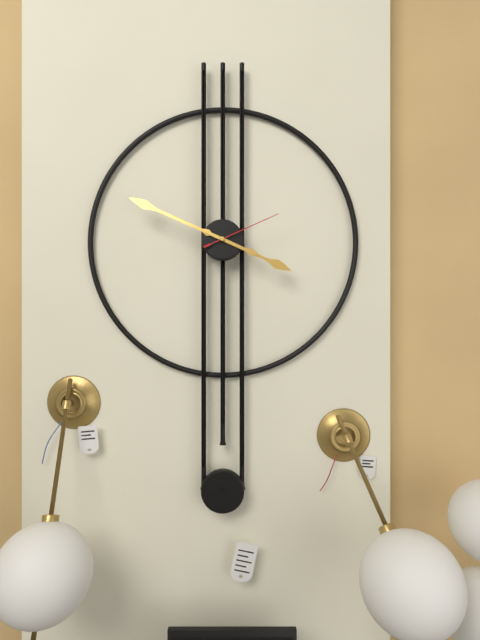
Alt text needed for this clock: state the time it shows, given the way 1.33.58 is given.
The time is 3.49.11
